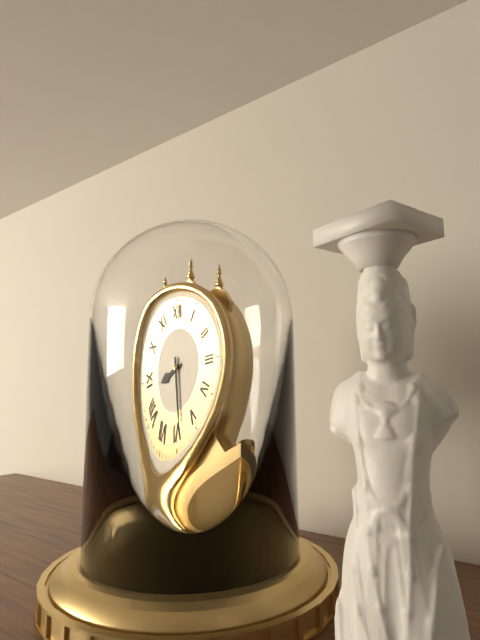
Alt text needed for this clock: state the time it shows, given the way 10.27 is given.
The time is 8.29
